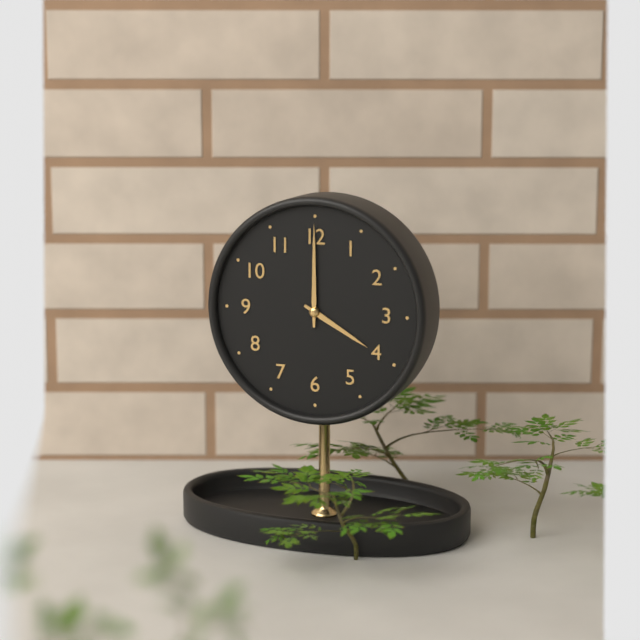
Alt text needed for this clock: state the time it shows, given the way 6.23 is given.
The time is 4.00
